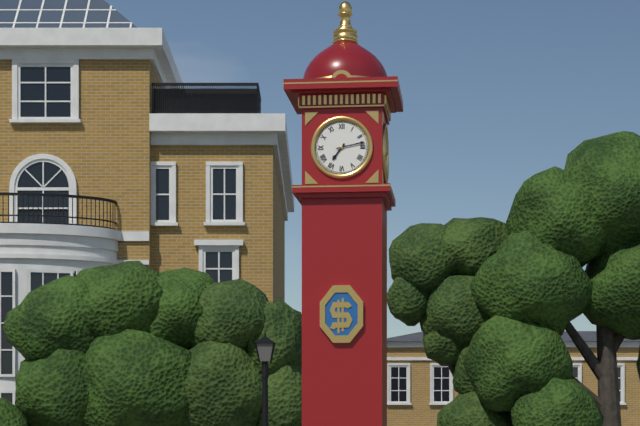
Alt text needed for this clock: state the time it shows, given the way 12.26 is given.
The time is 7.13
